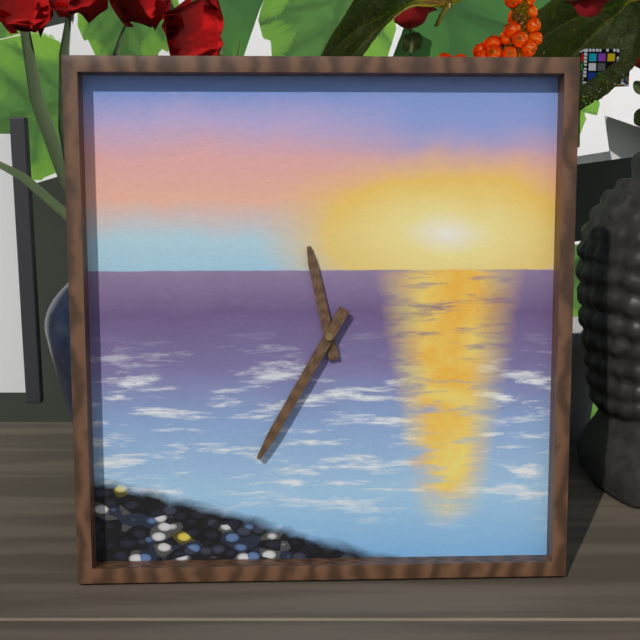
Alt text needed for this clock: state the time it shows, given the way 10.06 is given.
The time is 11.35
